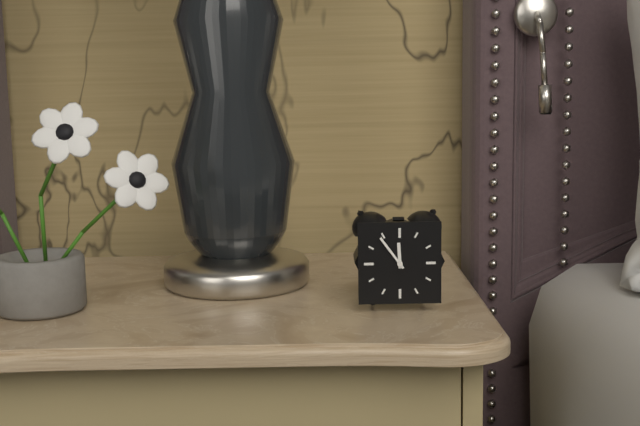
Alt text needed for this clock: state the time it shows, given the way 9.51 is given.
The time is 11.54
